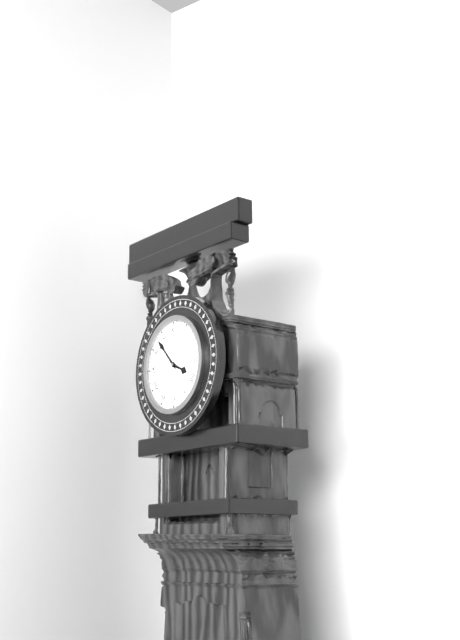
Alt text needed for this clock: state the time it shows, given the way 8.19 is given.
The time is 3.53
